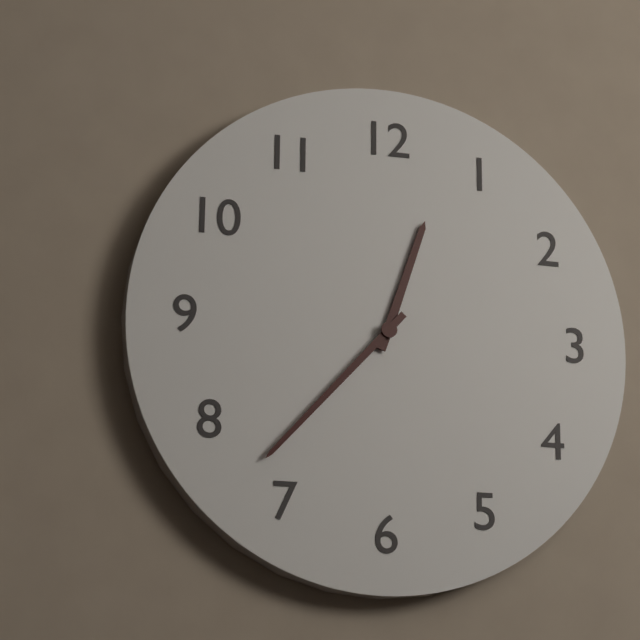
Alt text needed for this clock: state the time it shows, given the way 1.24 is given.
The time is 12.37
